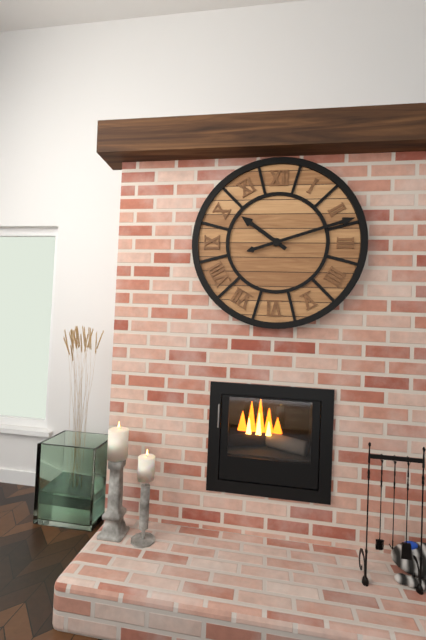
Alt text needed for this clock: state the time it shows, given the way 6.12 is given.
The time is 10.12
